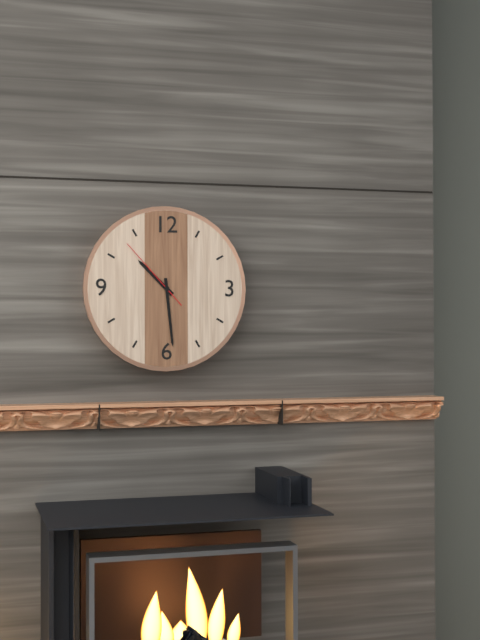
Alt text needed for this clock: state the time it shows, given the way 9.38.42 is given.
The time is 10.29.53
